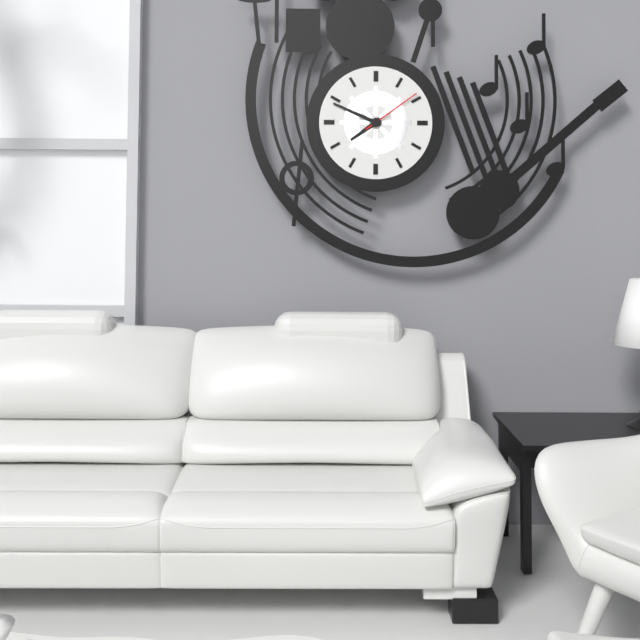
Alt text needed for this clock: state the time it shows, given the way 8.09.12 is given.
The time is 7.49.09
